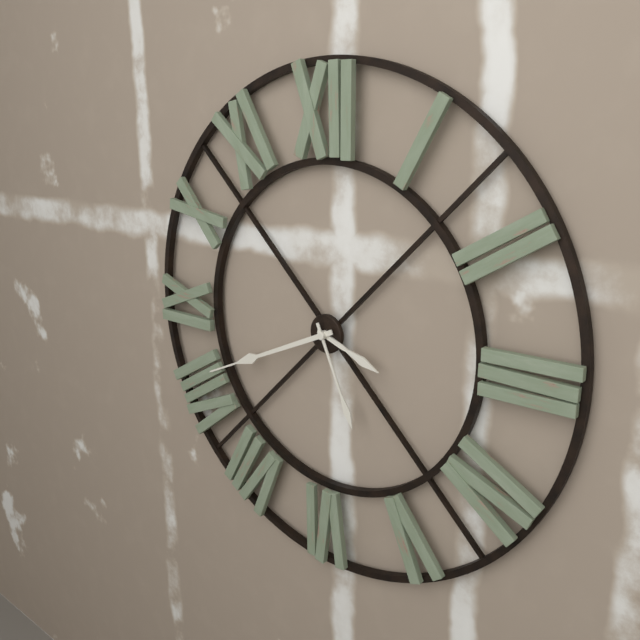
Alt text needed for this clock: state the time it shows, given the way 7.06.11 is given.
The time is 3.41.26
